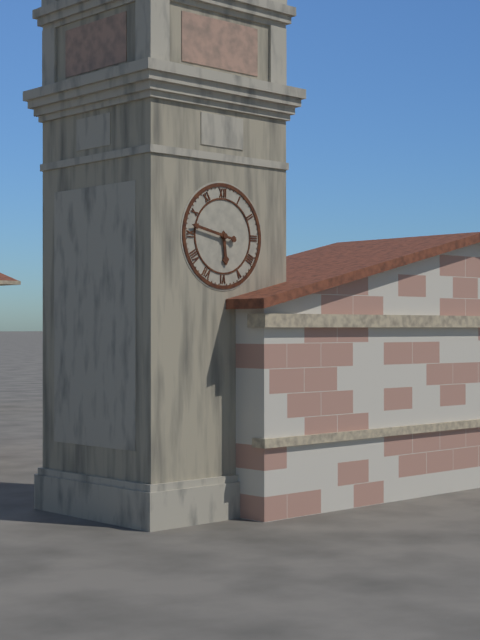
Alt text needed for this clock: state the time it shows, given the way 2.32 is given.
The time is 5.47
